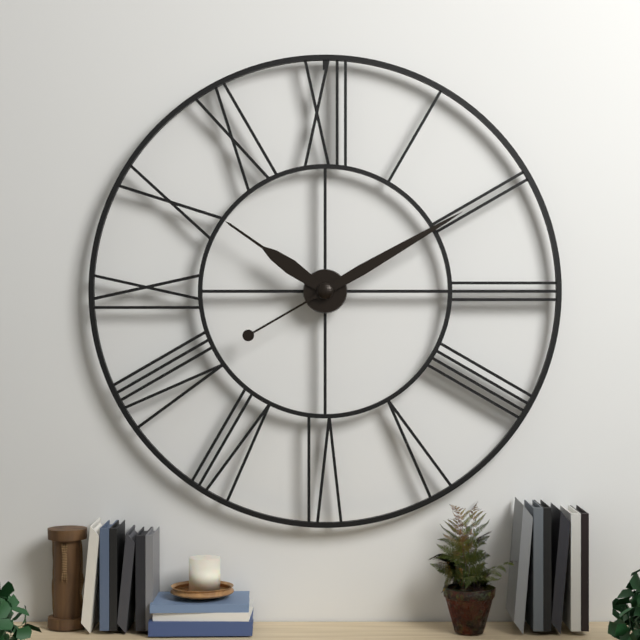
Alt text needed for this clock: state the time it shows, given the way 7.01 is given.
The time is 10.10
